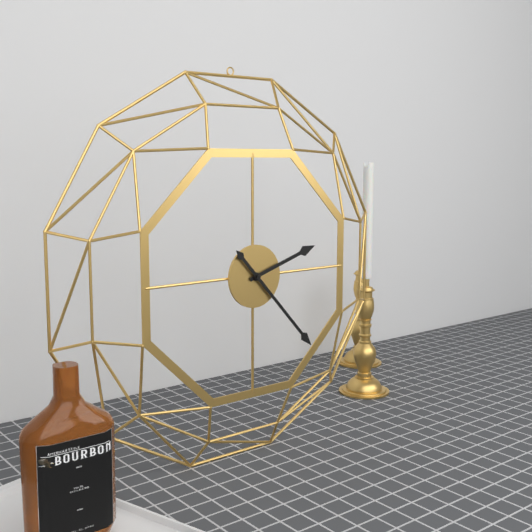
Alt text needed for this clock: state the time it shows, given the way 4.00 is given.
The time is 2.23
